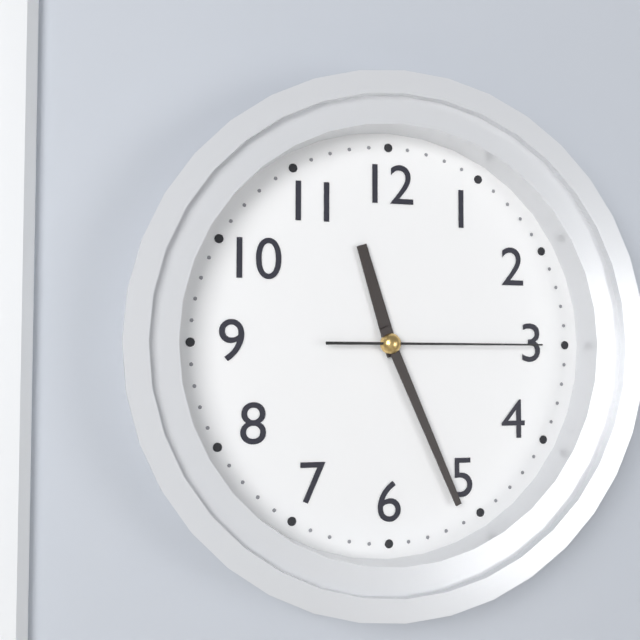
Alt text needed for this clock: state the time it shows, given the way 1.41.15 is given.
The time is 11.26.15
